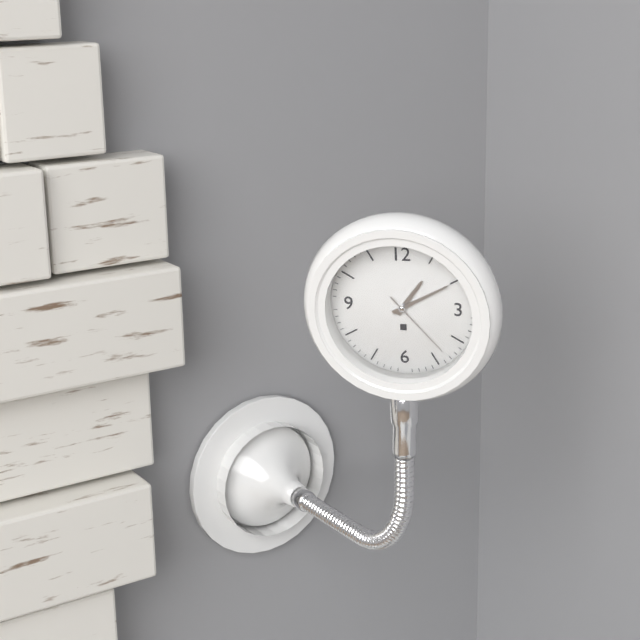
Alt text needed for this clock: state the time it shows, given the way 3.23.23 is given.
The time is 1.10.23
